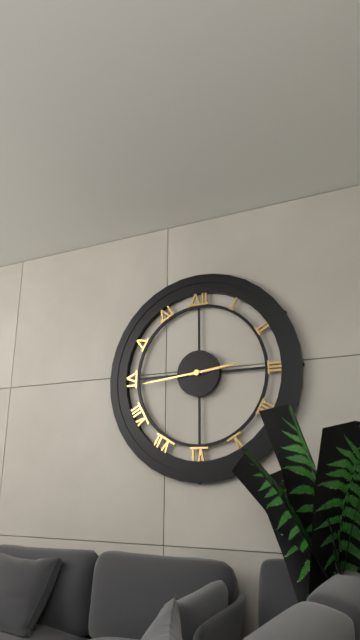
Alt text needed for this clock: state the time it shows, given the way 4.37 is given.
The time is 2.44
